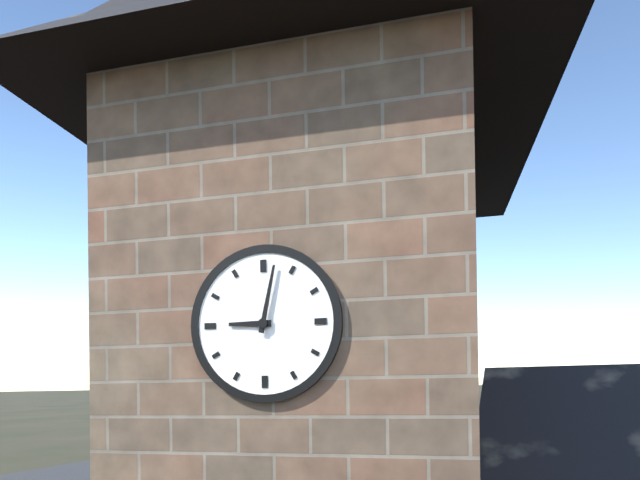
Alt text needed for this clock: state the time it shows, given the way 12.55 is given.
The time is 9.02
